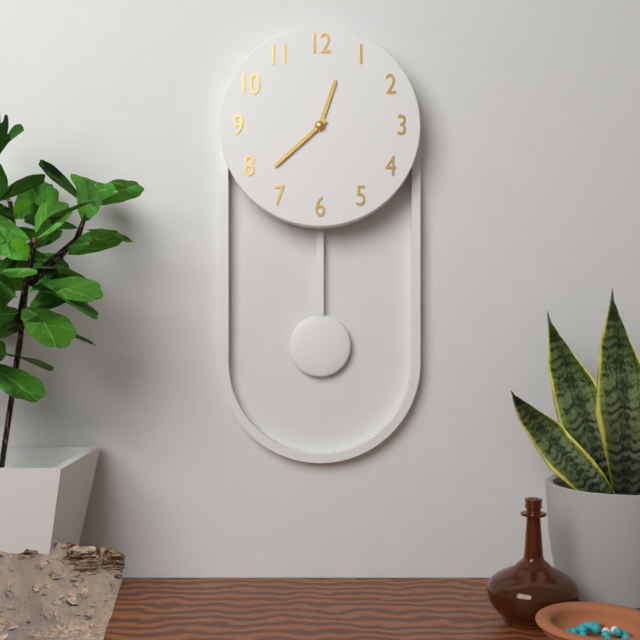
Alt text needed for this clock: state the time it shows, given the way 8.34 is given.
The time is 12.38
